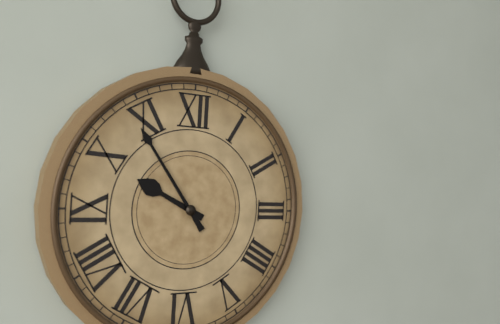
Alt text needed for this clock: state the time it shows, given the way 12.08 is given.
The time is 9.54
